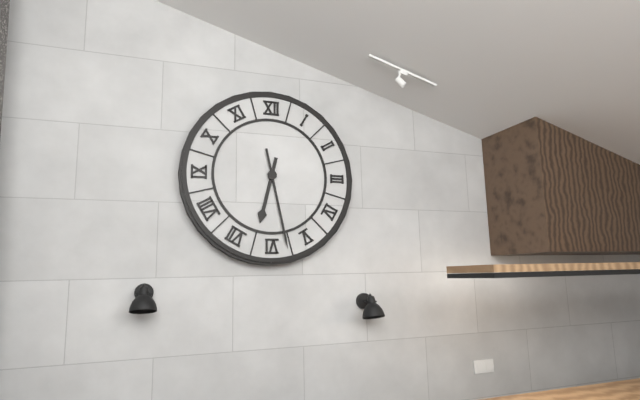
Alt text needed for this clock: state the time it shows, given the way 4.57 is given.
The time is 6.28
